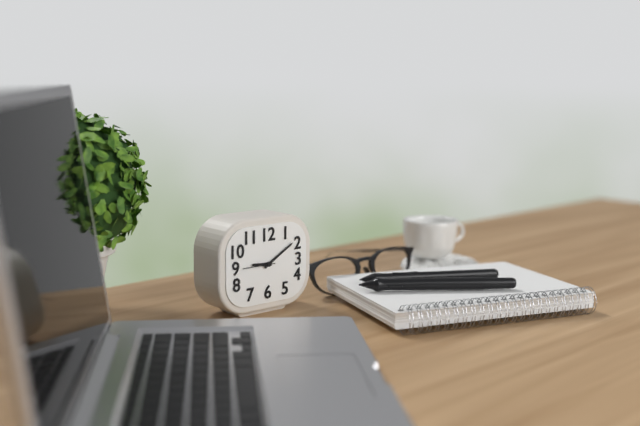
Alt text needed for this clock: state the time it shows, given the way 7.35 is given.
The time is 9.10
